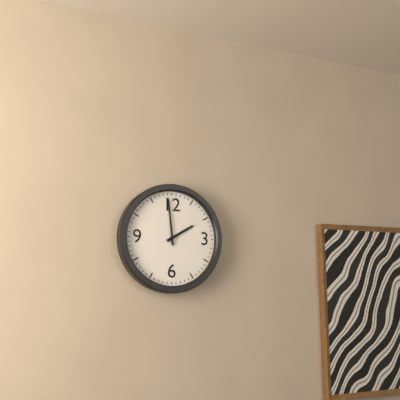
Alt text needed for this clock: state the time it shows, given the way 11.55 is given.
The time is 1.59
